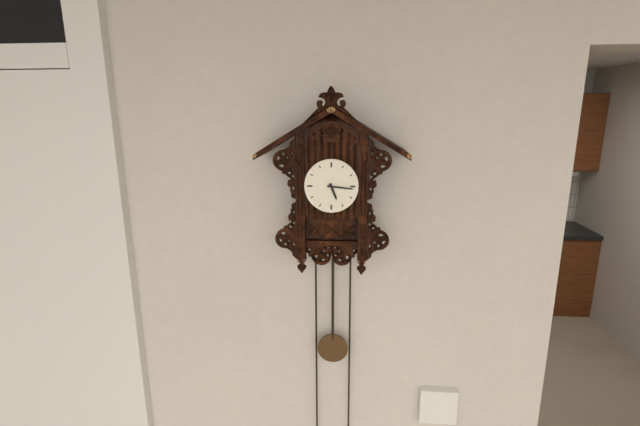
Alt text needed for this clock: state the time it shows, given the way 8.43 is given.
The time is 5.16
